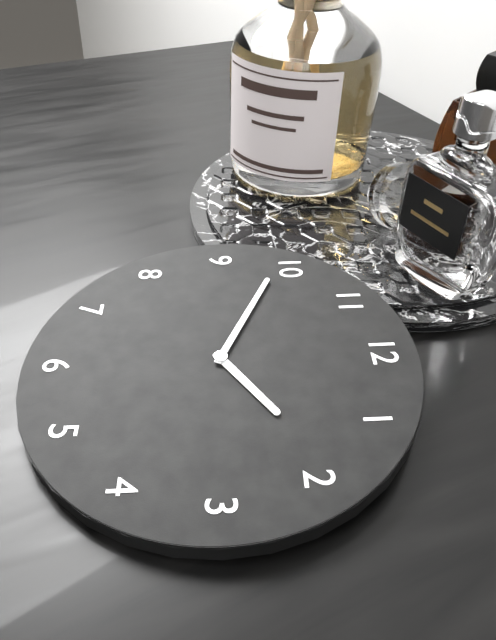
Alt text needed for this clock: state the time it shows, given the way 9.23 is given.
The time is 1.49
